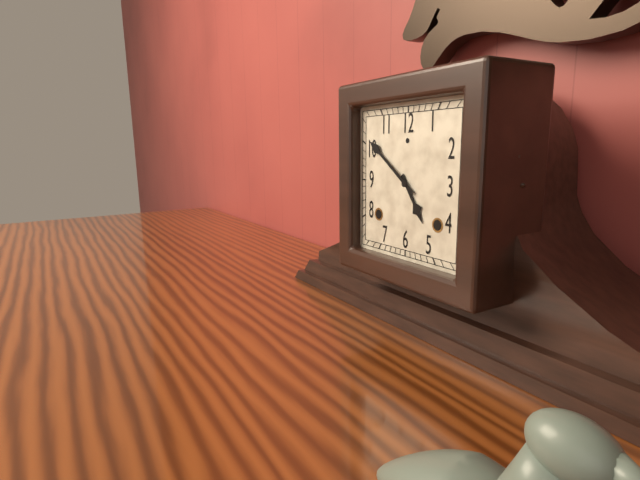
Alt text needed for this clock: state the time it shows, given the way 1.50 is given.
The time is 4.51
